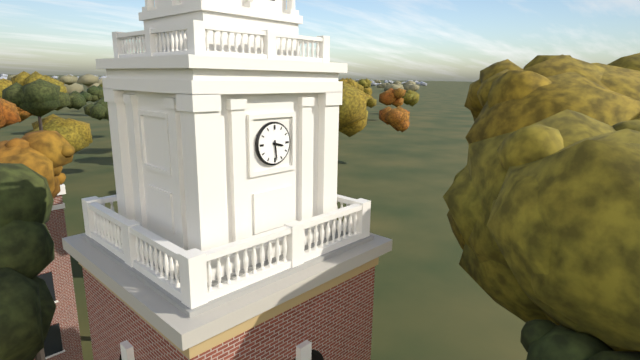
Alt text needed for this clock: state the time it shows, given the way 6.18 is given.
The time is 3.29
